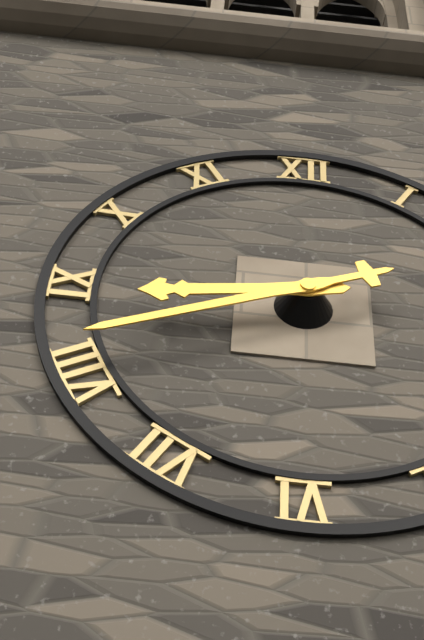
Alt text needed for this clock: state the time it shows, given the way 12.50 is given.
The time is 8.41
